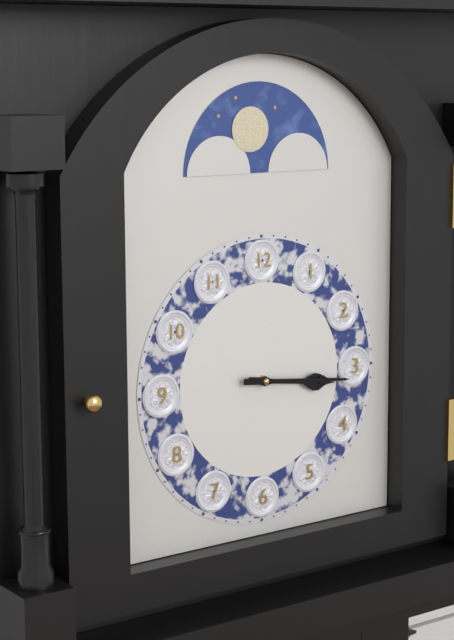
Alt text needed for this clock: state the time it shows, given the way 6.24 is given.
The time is 3.16
